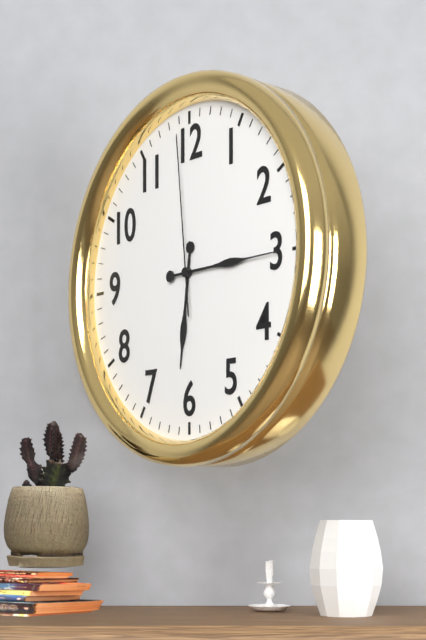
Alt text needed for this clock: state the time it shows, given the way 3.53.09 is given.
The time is 6.15.59
